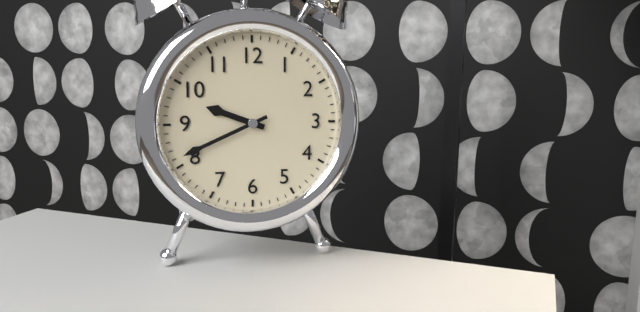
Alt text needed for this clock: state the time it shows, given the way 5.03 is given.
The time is 9.41
